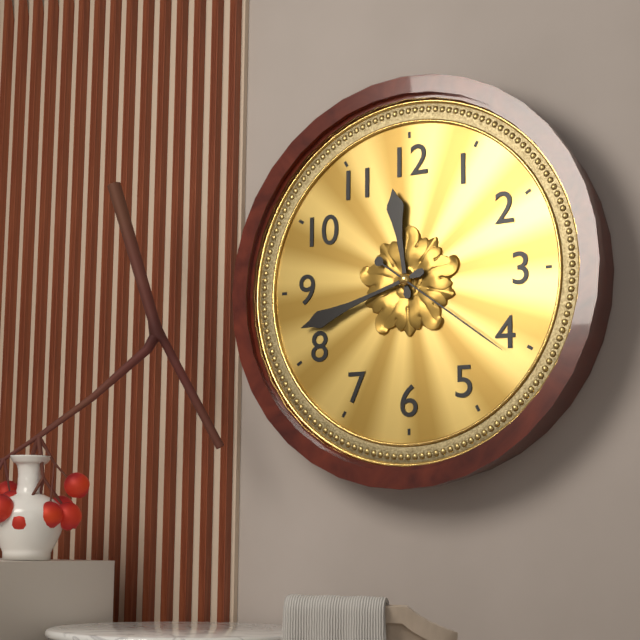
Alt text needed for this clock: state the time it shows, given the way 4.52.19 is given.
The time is 11.42.21
